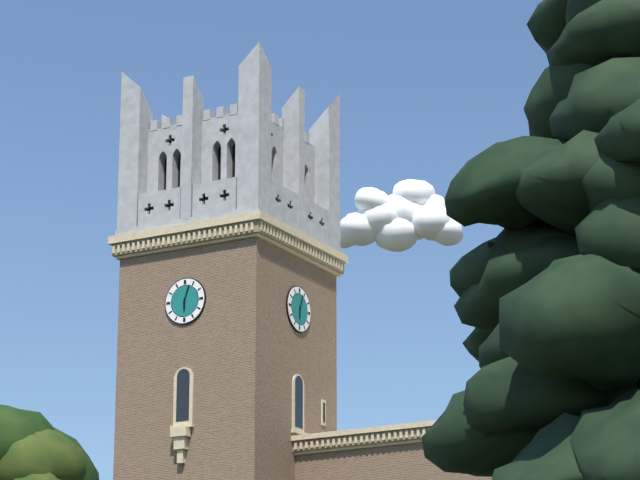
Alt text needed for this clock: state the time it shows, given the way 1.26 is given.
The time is 6.03
